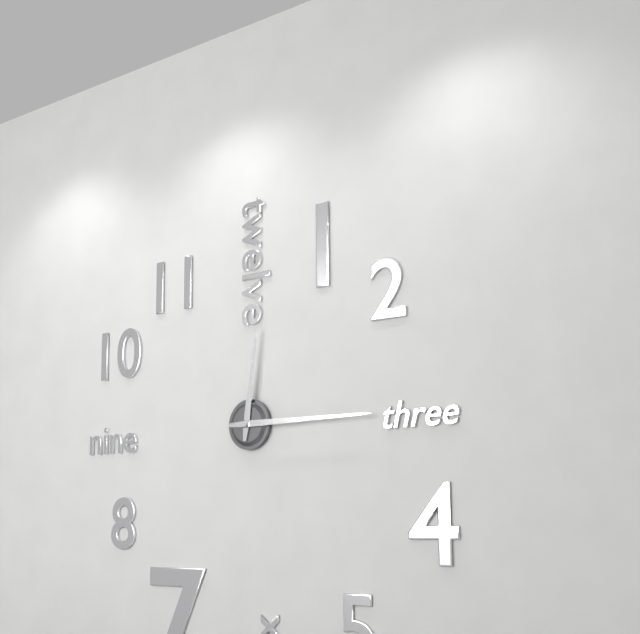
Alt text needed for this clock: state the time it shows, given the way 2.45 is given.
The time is 12.15
